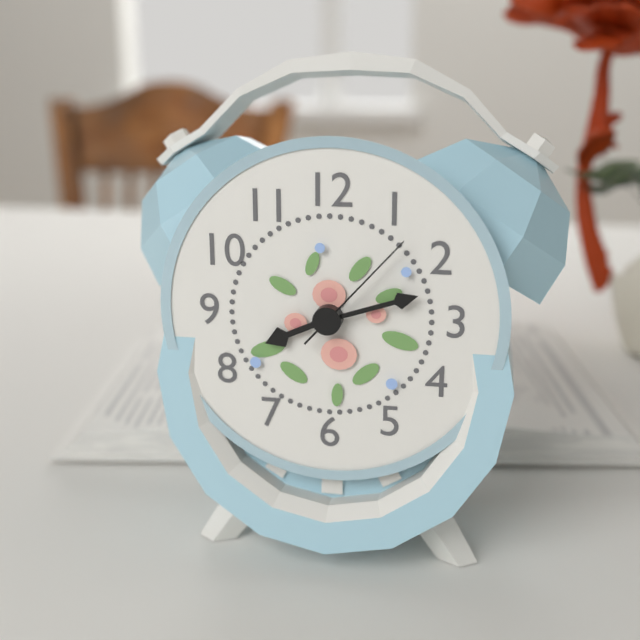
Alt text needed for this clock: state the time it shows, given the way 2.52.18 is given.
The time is 8.12.07
